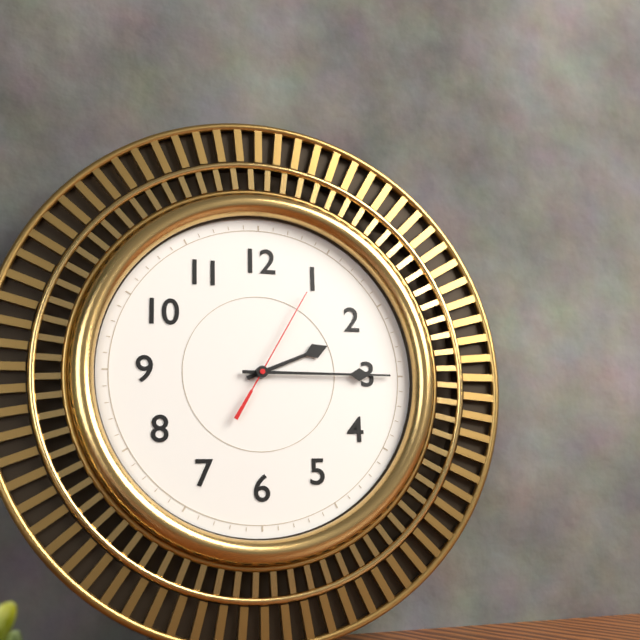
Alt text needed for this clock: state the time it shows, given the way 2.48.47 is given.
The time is 2.15.05
